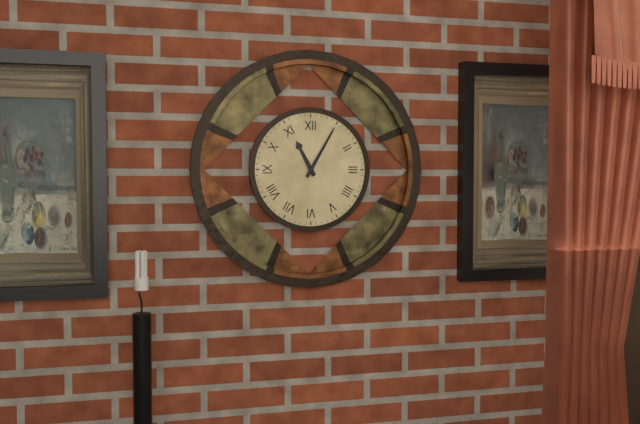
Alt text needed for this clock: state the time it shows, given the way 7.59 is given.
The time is 11.05
